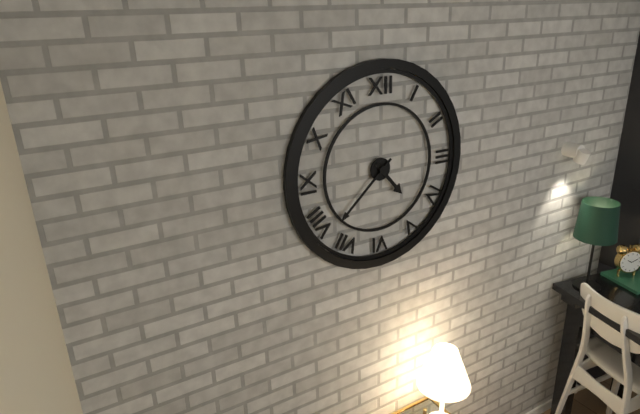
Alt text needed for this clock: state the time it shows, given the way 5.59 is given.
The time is 4.38
